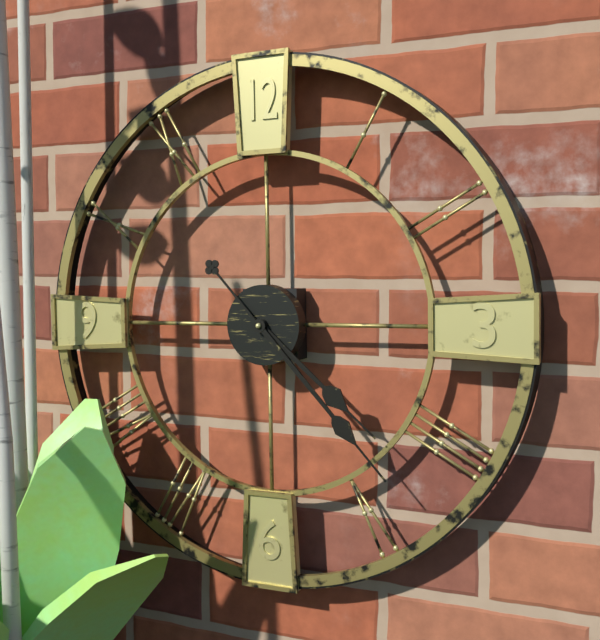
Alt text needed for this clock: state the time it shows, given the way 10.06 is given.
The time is 4.23
